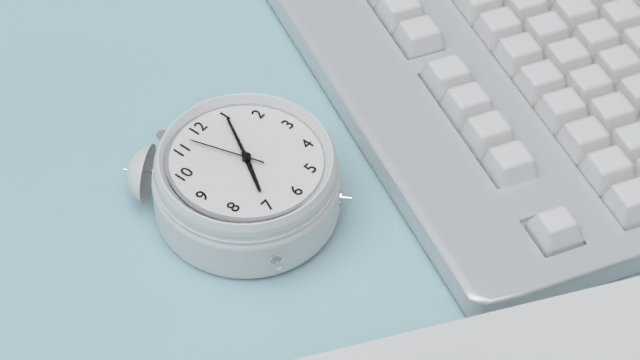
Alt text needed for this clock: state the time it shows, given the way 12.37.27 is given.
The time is 7.05.57
